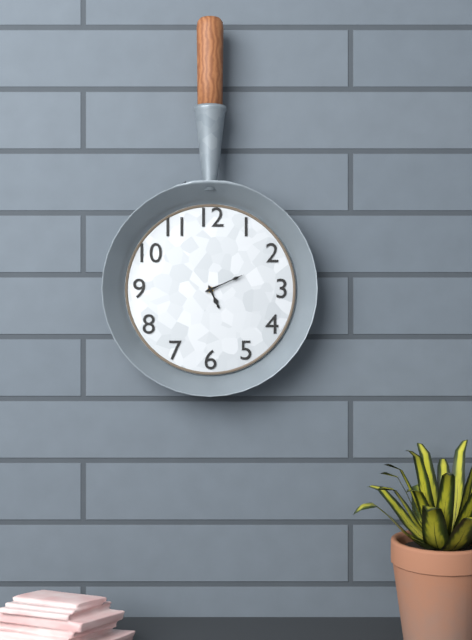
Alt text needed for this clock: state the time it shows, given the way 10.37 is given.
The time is 5.11
